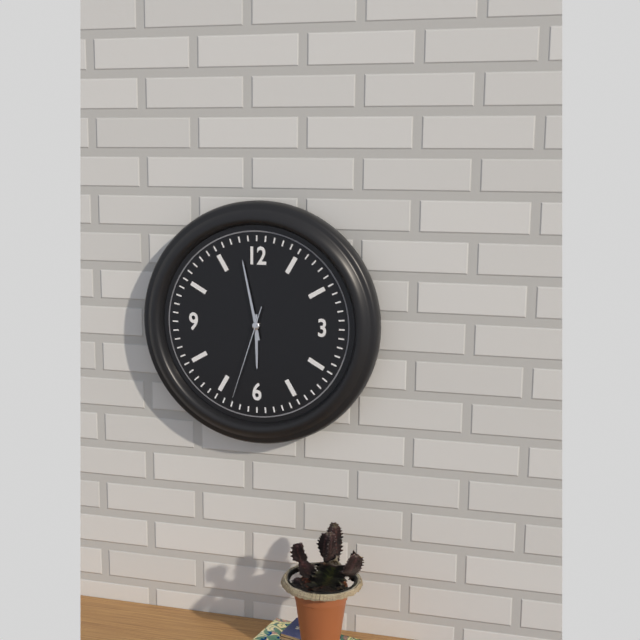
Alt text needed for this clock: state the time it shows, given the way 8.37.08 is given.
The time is 5.58.33
